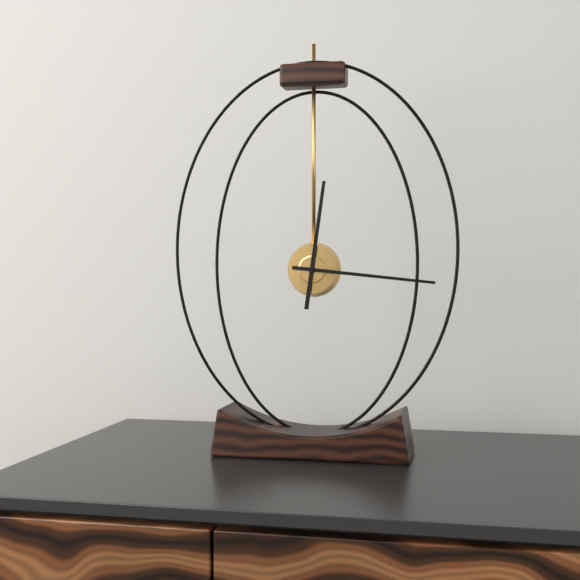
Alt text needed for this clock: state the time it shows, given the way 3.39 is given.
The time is 12.16
